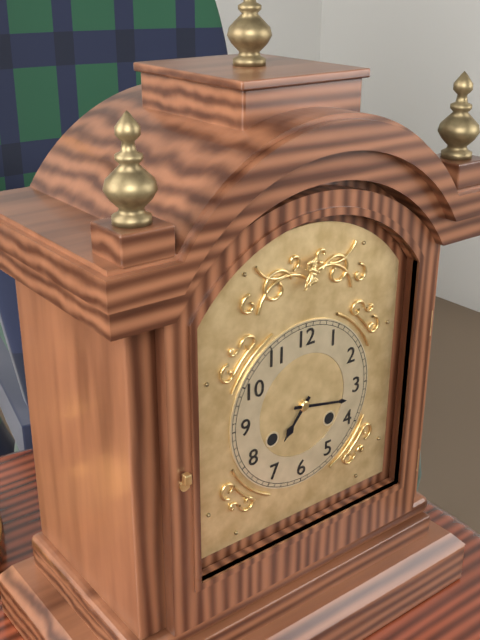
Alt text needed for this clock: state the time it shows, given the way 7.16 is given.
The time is 7.17
